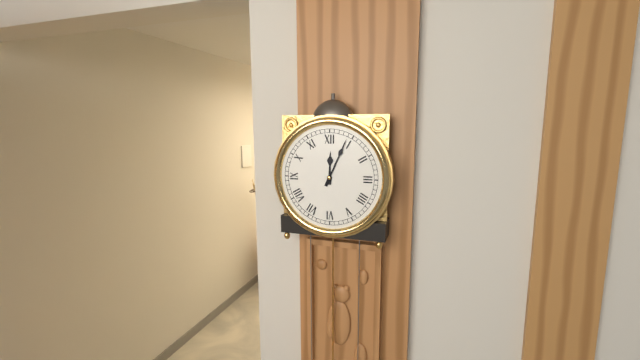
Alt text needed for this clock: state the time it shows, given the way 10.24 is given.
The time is 12.04
